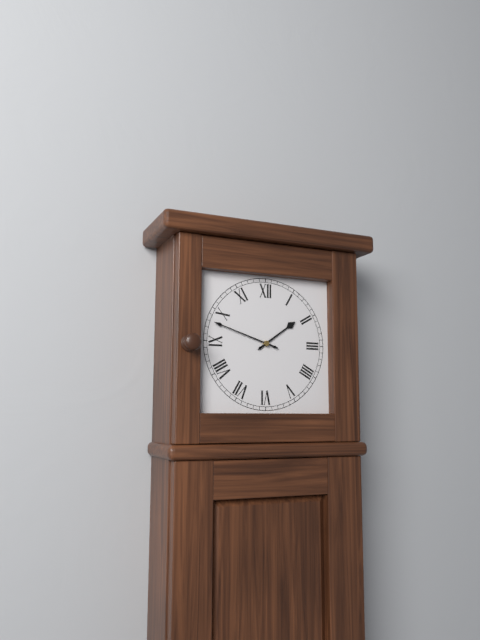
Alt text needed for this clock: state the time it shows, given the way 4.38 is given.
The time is 1.48
